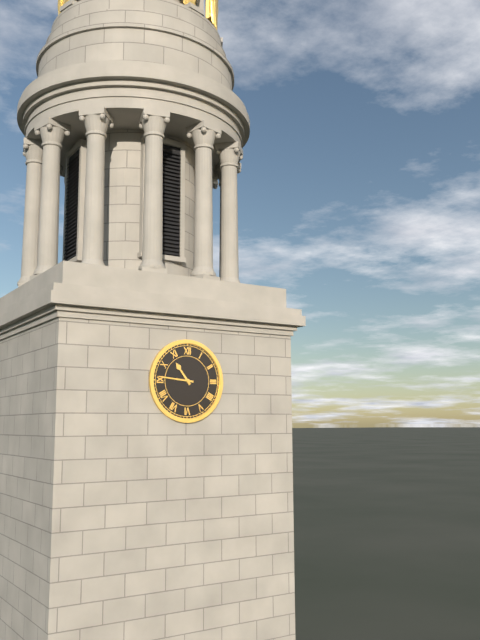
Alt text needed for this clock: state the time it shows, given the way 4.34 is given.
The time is 10.46
